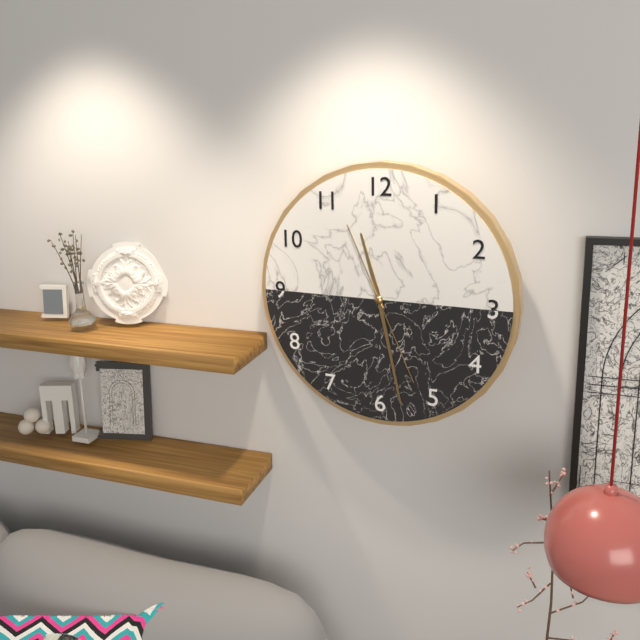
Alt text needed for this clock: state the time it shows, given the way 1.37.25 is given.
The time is 11.28.26
